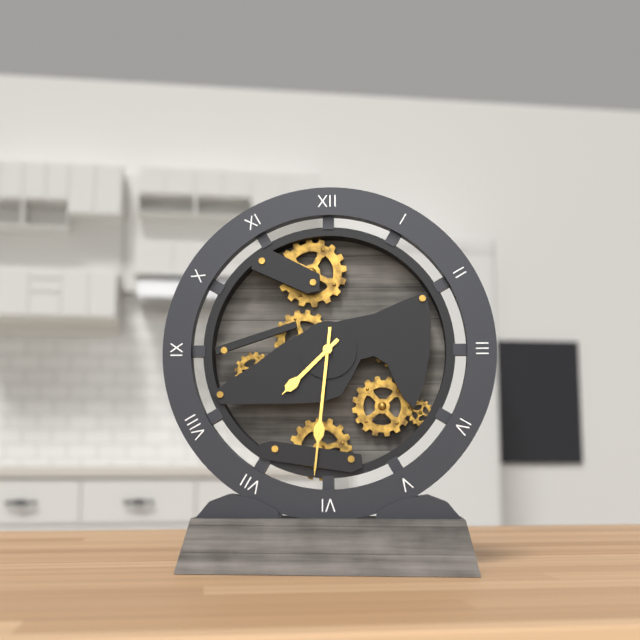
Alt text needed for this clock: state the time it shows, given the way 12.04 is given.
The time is 7.31
